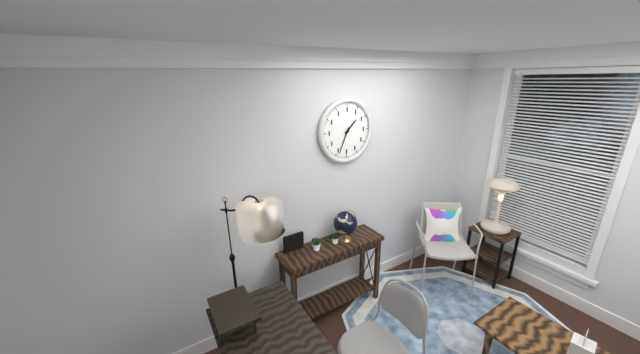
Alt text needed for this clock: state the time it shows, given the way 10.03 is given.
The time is 1.34
